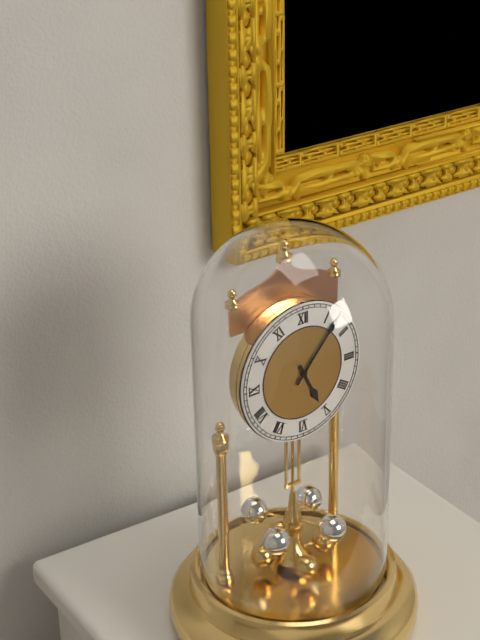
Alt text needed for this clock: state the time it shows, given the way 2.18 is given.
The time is 5.07
